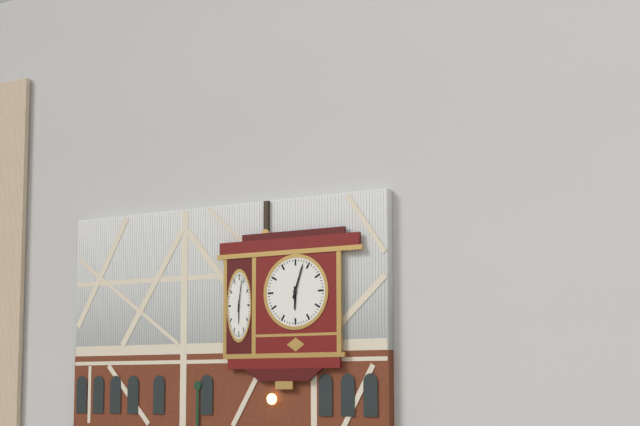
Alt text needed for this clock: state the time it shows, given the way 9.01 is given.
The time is 6.03
